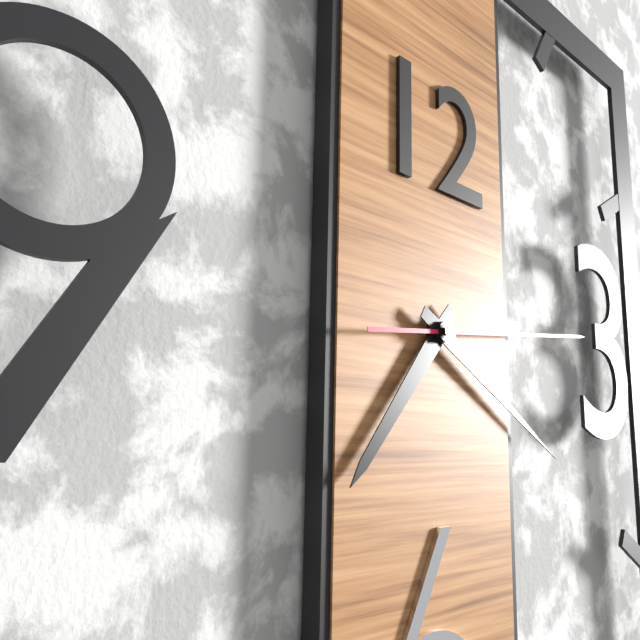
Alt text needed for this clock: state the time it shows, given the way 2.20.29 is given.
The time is 7.20.14
